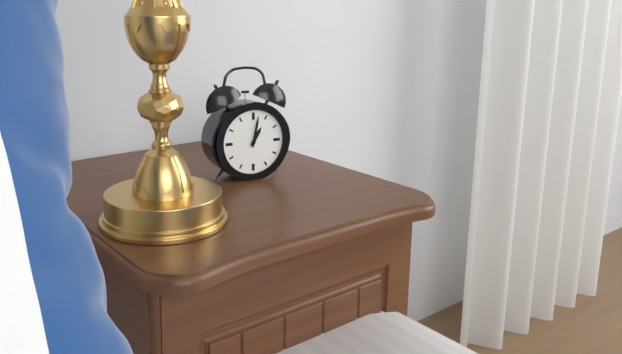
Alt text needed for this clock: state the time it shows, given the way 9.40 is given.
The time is 1.02
